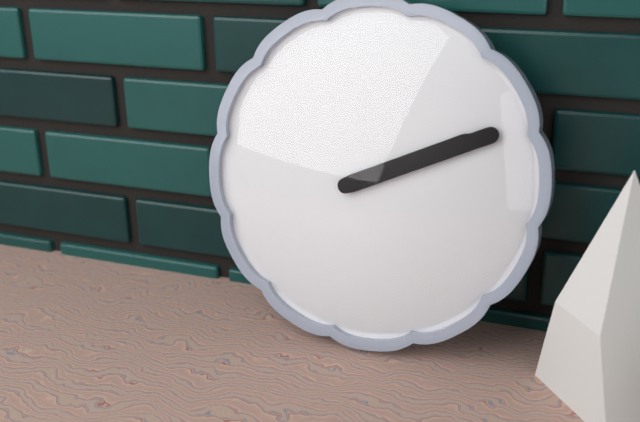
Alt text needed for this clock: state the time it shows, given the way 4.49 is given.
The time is 2.11
